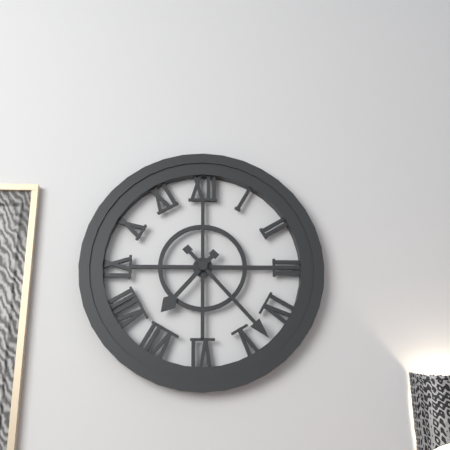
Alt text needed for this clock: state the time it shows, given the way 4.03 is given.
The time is 7.23
